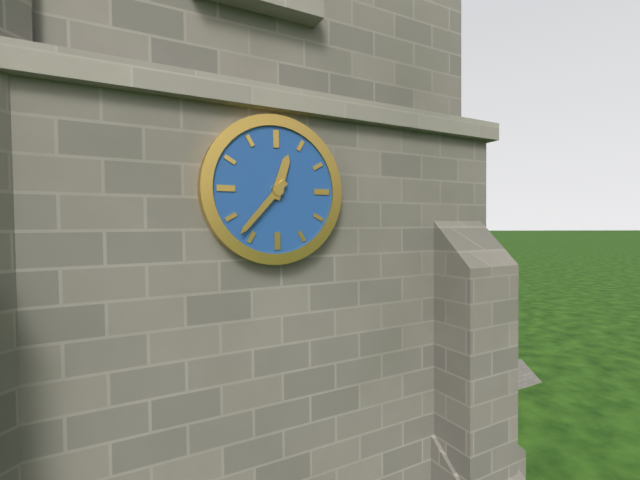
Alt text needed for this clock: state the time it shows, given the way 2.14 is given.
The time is 12.37
